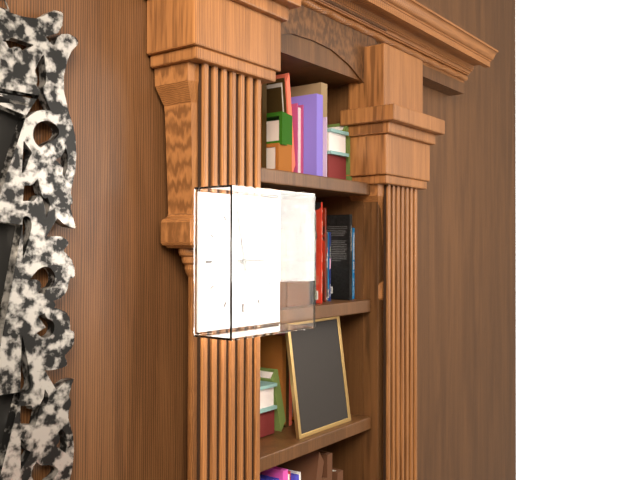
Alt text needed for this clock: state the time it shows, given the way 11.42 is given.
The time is 2.58
